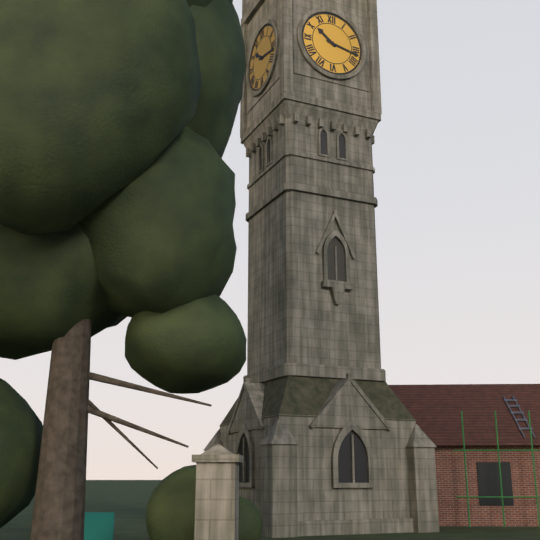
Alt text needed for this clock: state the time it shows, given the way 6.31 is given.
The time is 10.17
